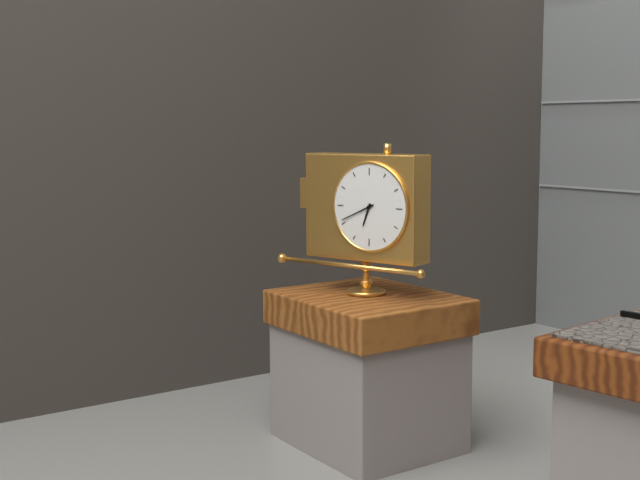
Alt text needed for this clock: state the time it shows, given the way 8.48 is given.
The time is 6.41
